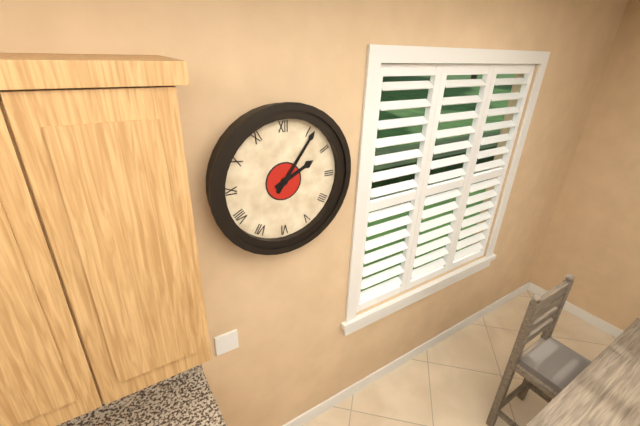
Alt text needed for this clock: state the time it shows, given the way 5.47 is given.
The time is 2.06
